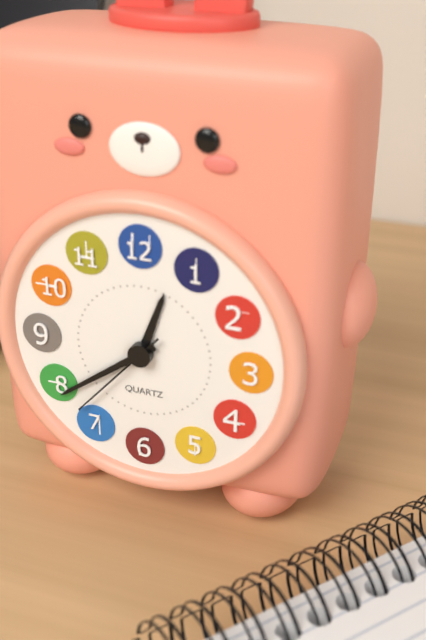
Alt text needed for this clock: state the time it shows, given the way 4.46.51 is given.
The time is 12.39.37
